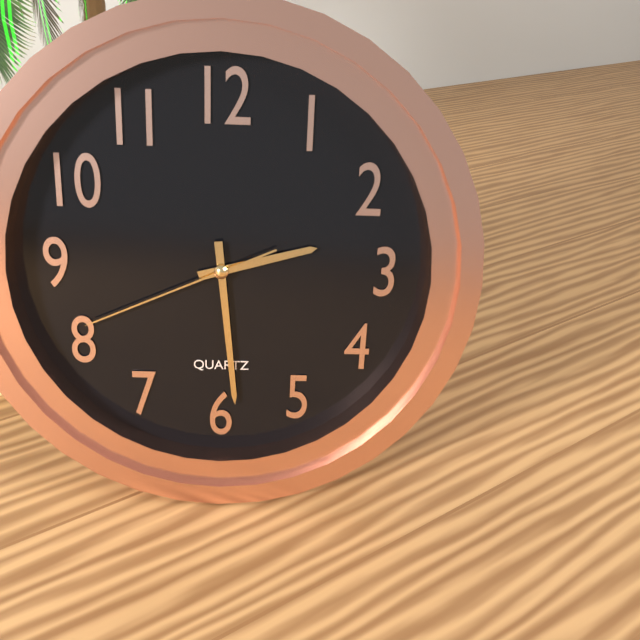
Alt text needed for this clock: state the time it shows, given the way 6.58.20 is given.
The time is 2.29.41
